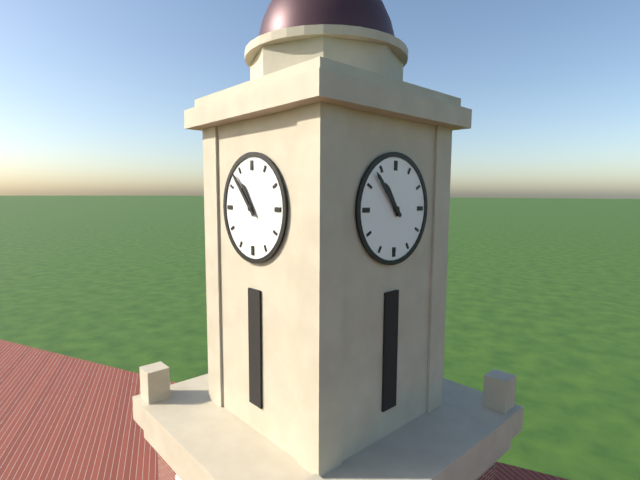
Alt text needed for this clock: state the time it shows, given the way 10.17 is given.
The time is 10.53
